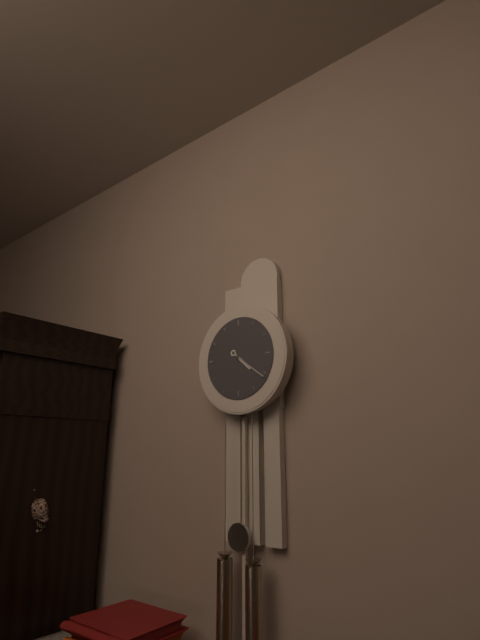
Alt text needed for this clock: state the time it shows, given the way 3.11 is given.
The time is 4.21
